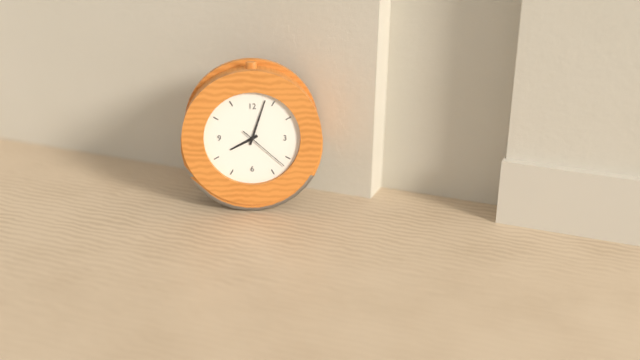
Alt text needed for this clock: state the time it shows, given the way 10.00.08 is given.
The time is 8.03.22
